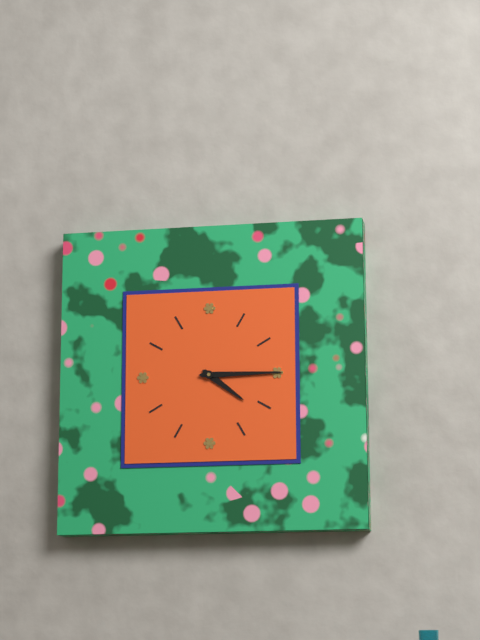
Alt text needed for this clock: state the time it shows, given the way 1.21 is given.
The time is 4.15
